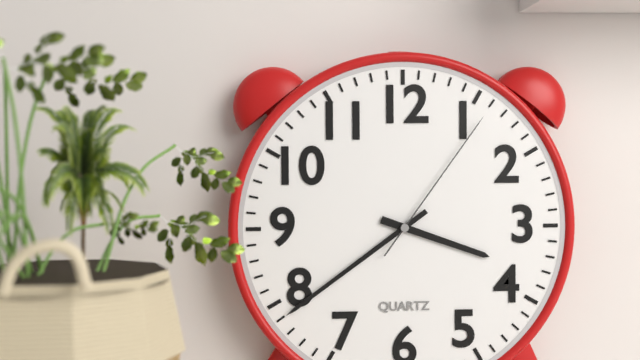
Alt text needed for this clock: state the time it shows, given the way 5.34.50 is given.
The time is 3.39.06
